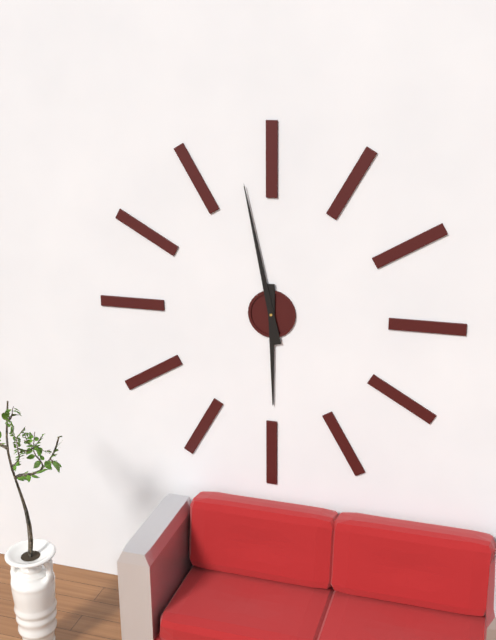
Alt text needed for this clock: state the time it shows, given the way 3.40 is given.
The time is 5.58
